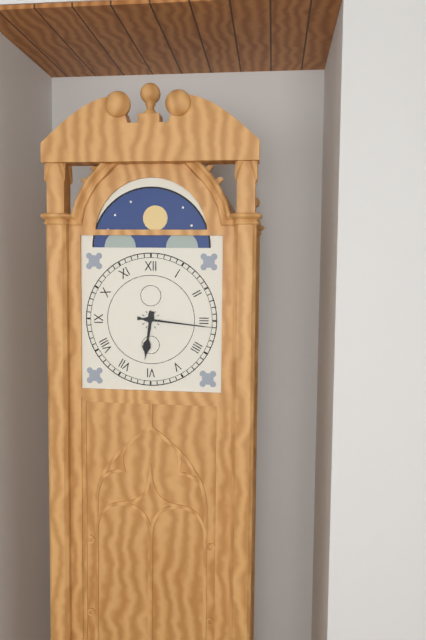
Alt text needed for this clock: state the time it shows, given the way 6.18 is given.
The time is 6.16
